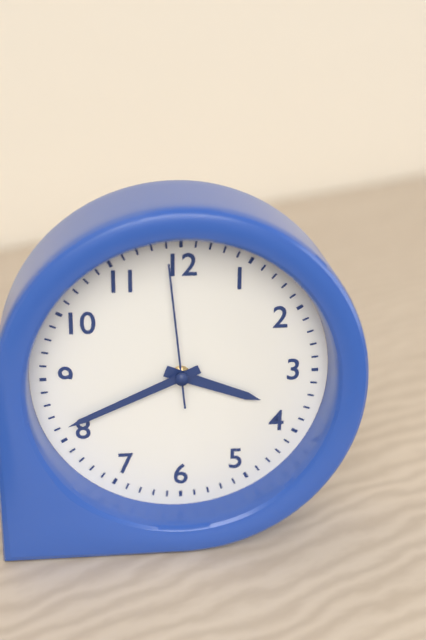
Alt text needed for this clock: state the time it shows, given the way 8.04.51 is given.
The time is 3.41.59
